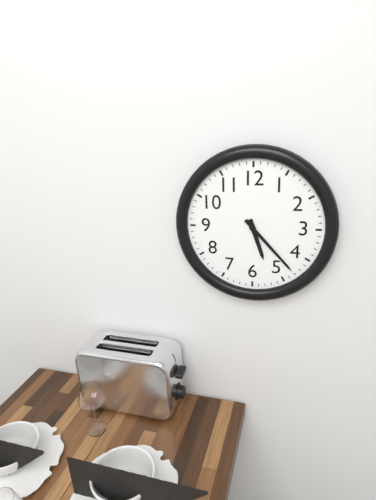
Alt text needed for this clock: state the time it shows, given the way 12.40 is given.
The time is 5.23
